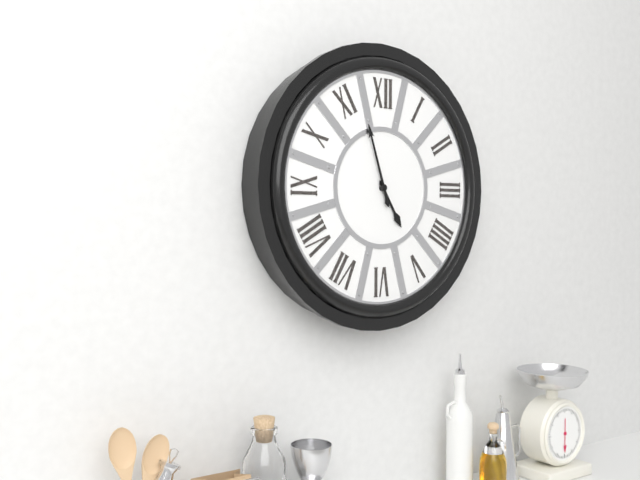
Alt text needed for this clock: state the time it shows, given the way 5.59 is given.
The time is 4.57
